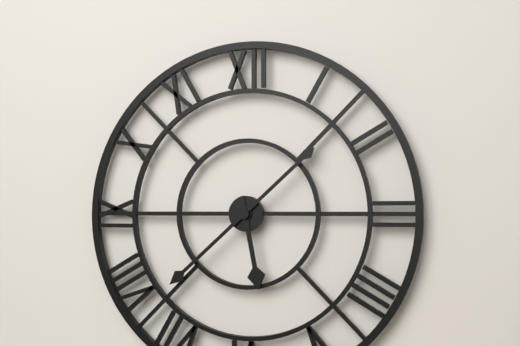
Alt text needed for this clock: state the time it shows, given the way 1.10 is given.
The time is 5.38
